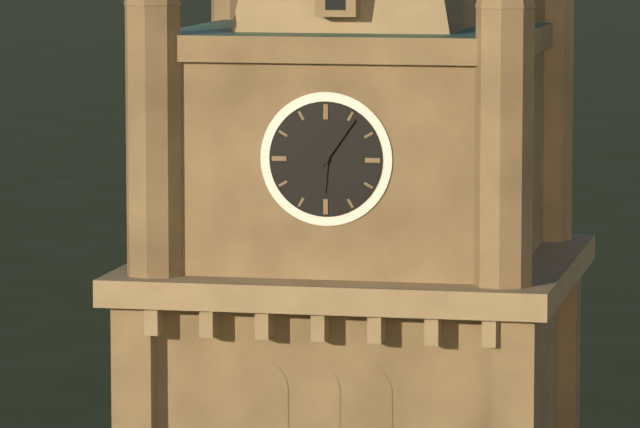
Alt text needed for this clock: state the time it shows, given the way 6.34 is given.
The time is 6.06
